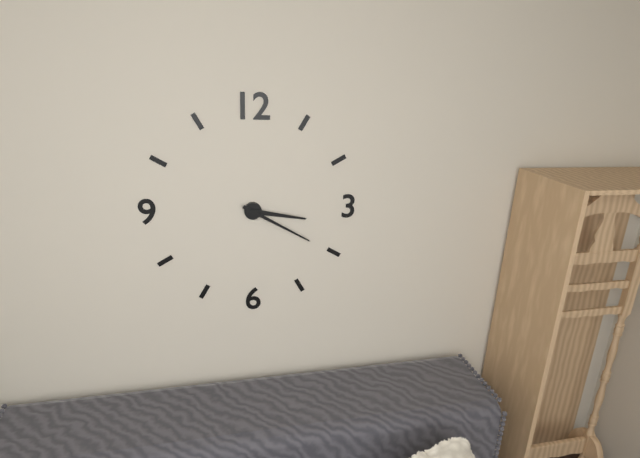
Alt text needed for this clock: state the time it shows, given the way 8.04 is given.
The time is 3.20
